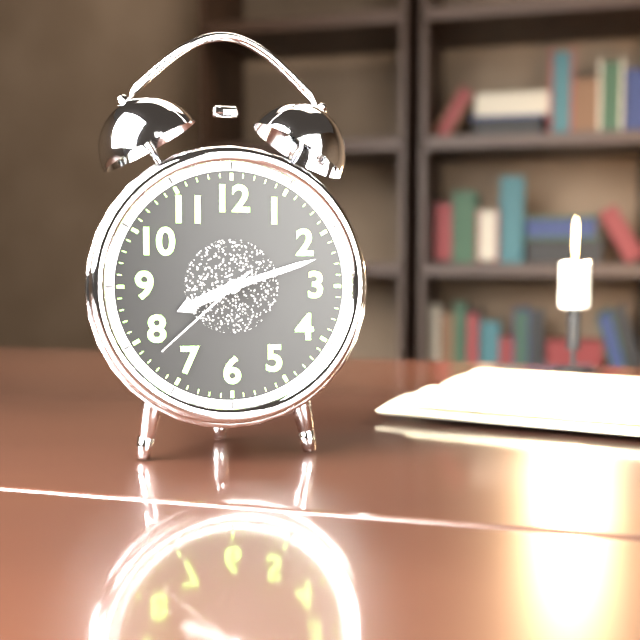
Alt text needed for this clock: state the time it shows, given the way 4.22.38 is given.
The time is 8.12.38
